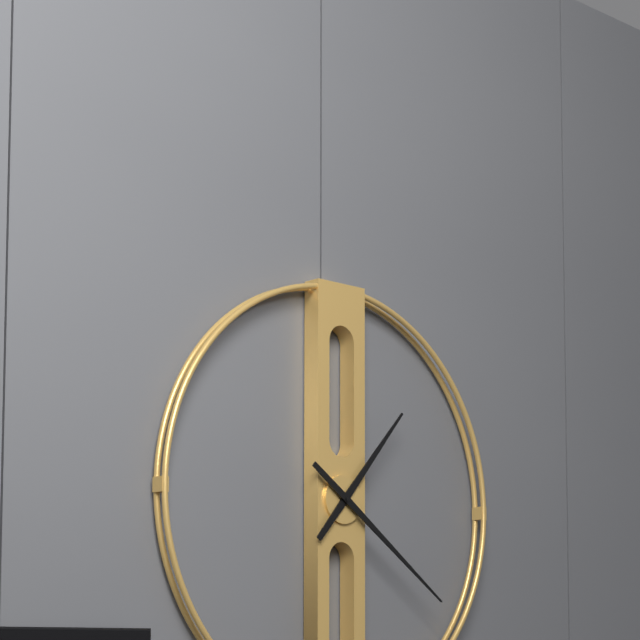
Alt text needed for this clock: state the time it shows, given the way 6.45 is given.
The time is 1.21
